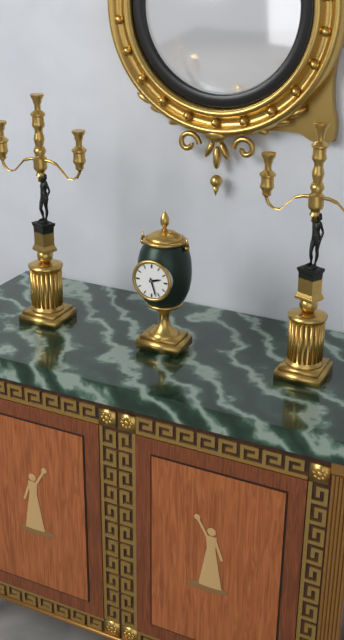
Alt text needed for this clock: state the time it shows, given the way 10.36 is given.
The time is 2.27
